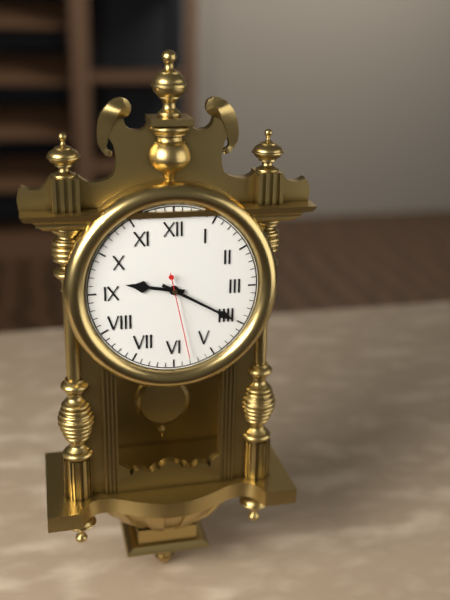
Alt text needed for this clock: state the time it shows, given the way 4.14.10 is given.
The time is 9.20.28
